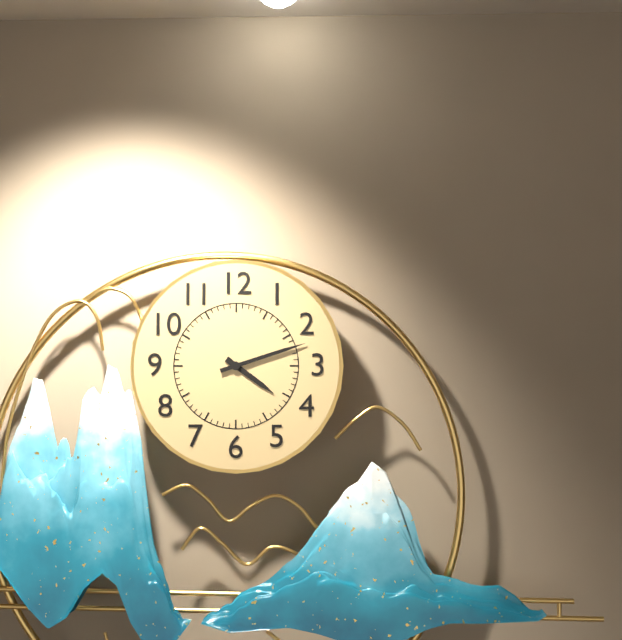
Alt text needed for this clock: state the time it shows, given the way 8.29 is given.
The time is 4.12
